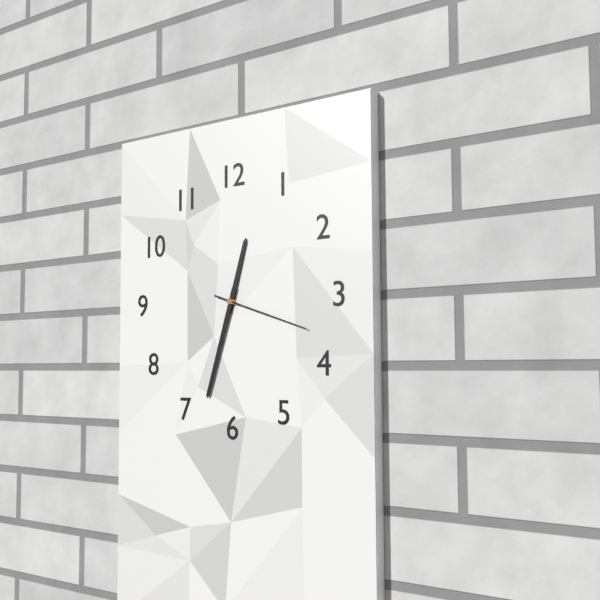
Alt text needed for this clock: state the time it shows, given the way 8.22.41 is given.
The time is 12.33.18
